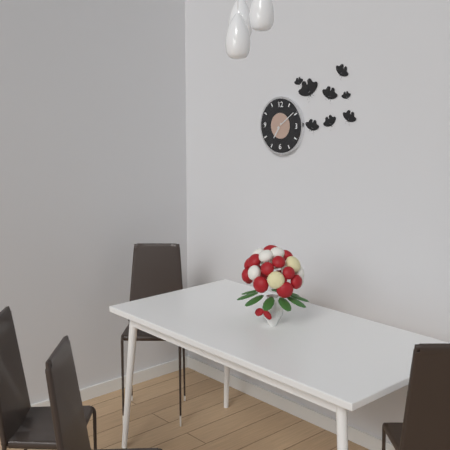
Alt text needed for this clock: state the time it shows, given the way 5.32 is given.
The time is 7.09
